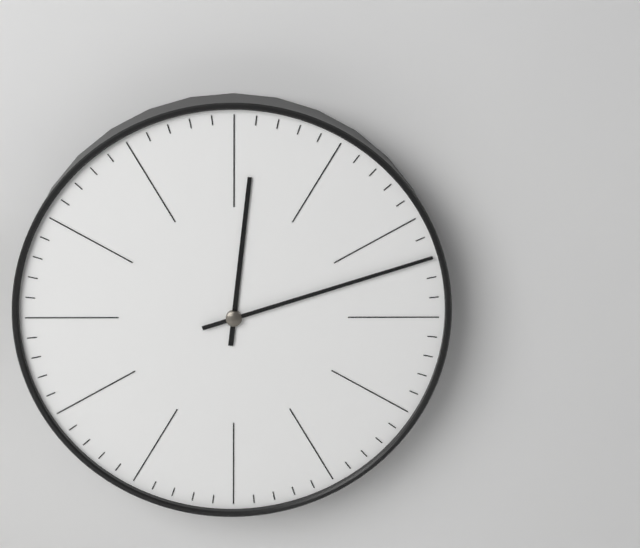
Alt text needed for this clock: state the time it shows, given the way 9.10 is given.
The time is 12.12
